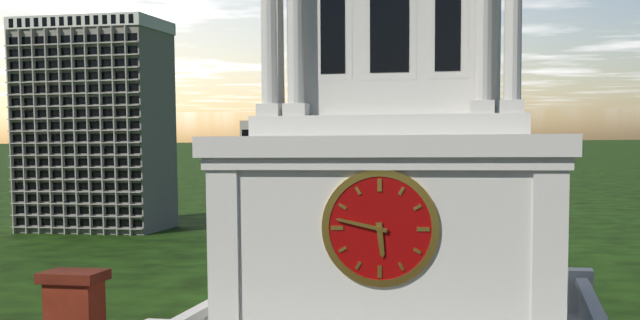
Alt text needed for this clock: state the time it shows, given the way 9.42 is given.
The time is 5.47
